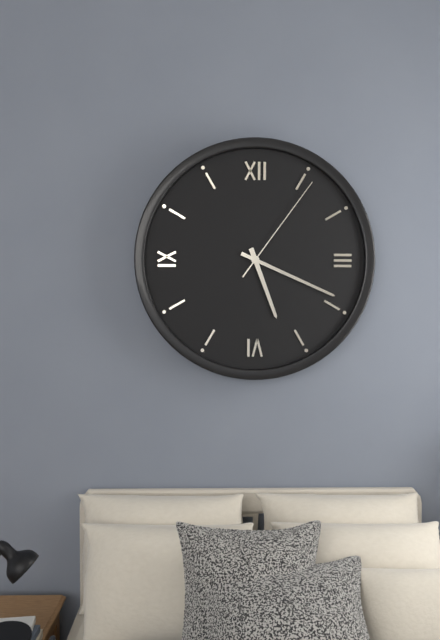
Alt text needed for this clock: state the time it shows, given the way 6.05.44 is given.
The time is 5.19.06
